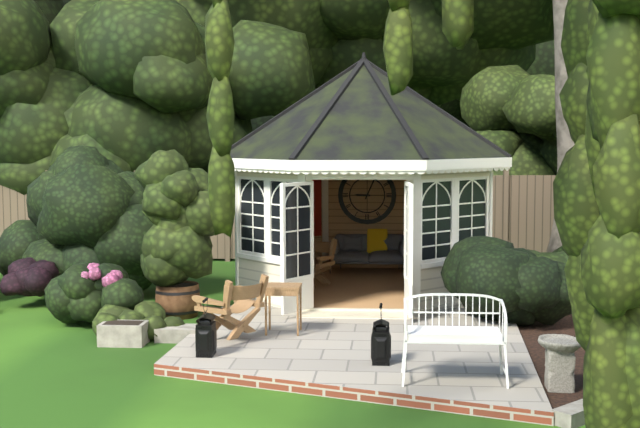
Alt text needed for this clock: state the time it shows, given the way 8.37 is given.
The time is 9.04
